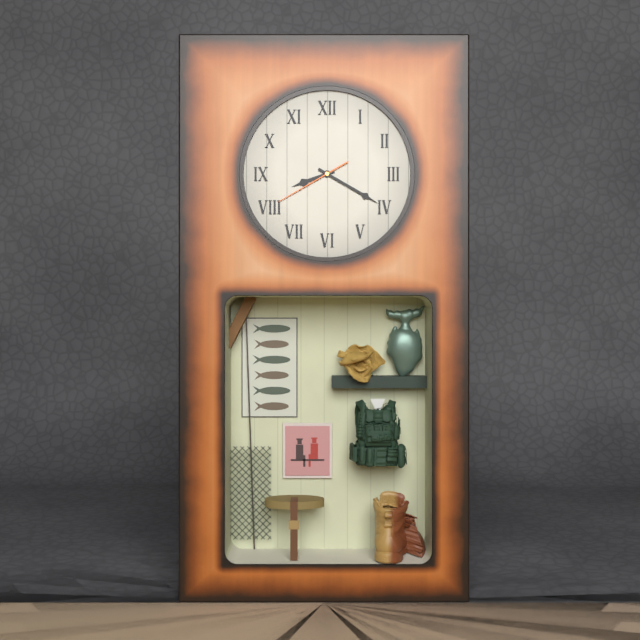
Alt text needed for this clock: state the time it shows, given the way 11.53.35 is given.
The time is 8.20.40
